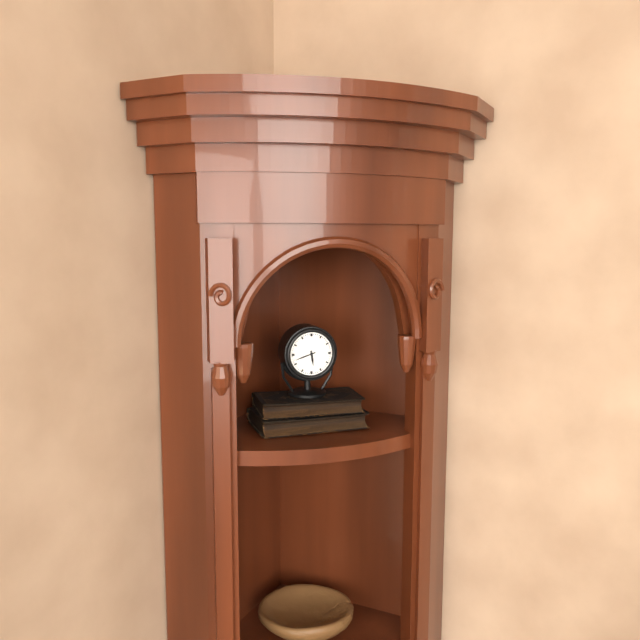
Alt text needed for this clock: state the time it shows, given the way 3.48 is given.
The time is 5.42
